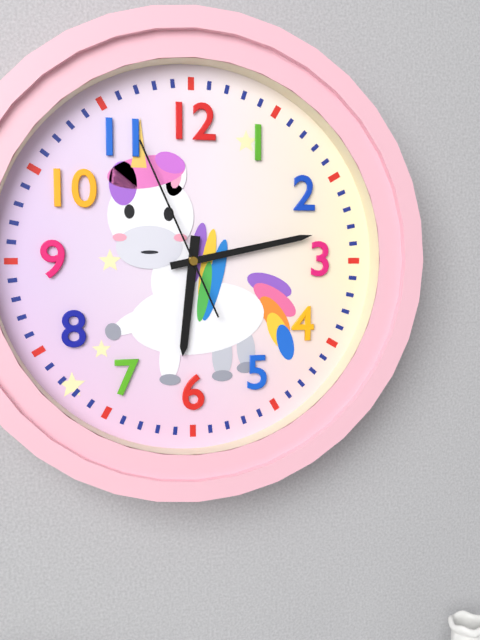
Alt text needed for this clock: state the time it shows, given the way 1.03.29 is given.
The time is 6.13.56
